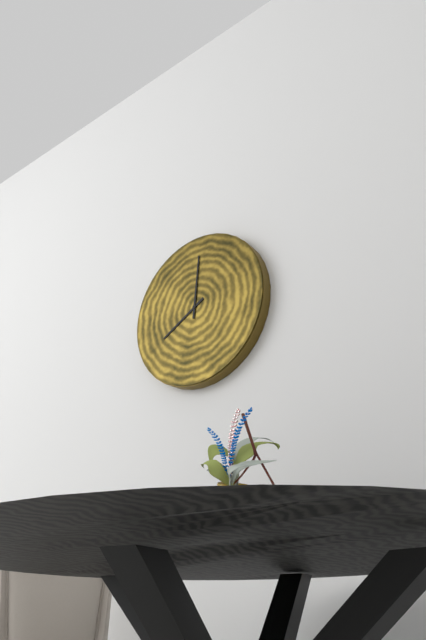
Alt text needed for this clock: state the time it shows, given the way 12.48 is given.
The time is 8.01
